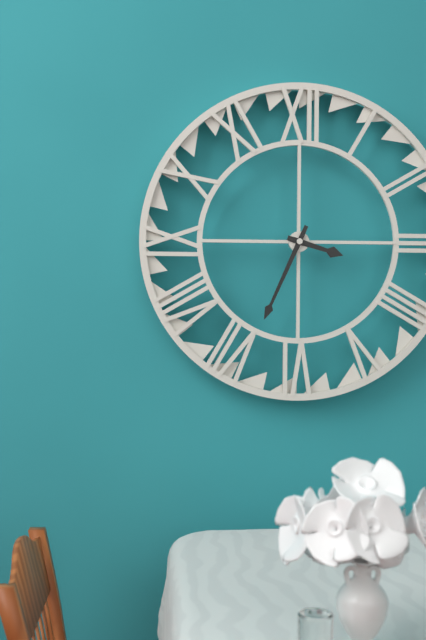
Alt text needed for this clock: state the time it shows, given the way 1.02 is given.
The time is 3.34
